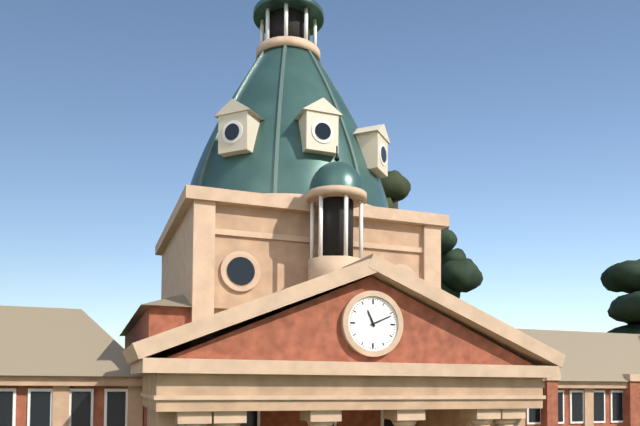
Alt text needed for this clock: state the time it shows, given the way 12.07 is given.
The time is 11.11
